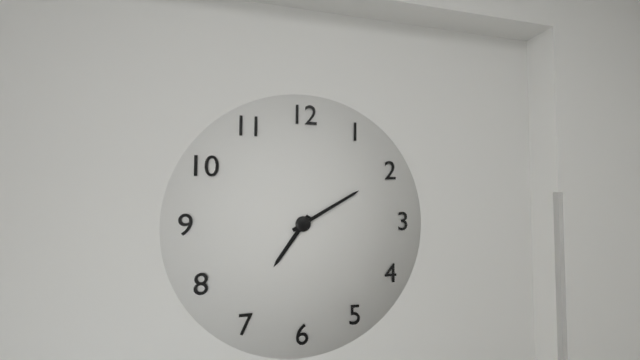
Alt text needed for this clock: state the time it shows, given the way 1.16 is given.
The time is 7.10
